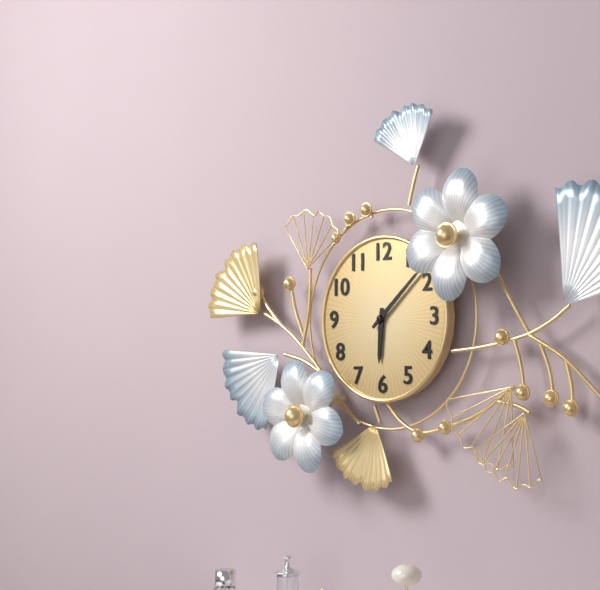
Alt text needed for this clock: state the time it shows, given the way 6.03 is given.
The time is 6.08
